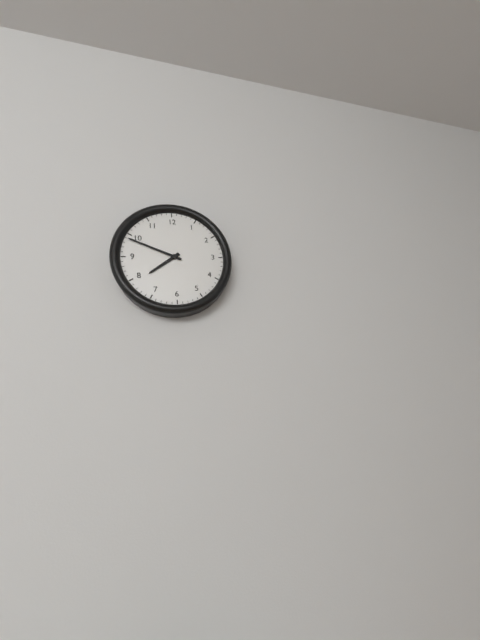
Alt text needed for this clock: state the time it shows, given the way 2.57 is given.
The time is 7.49
